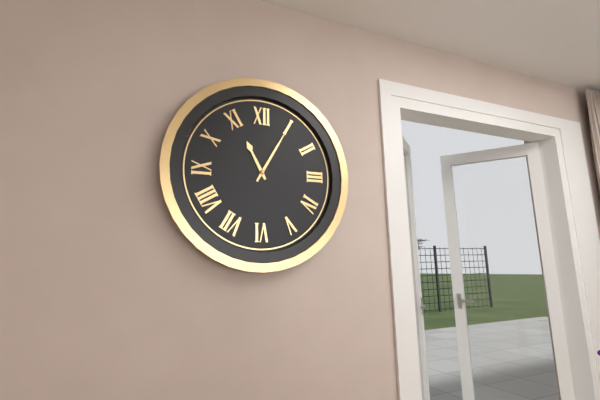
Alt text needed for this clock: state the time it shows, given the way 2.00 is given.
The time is 11.05
